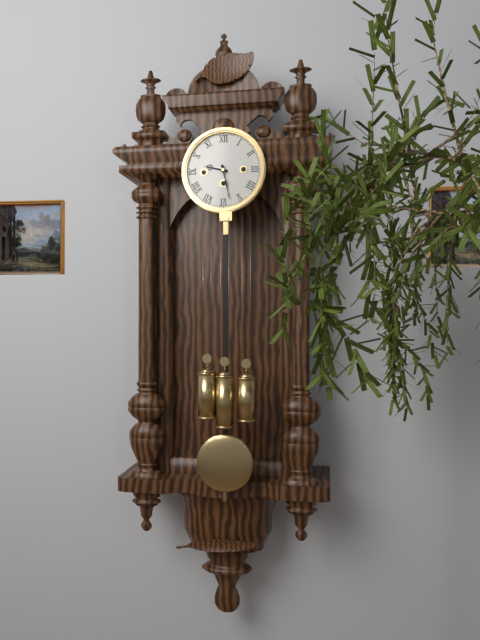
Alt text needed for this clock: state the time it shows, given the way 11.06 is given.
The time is 9.28
